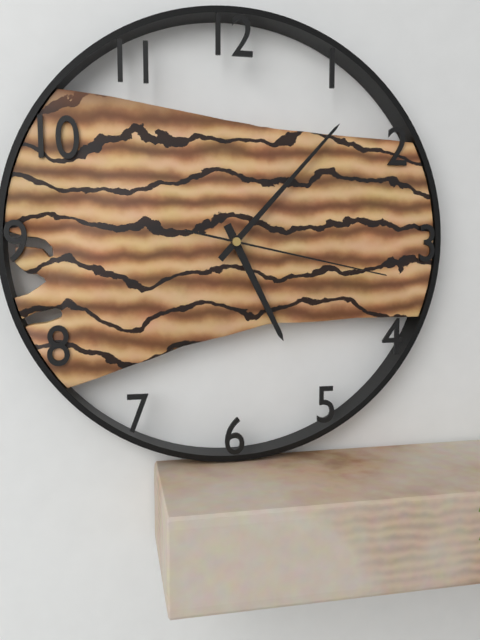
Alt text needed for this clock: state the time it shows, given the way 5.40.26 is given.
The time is 5.07.17
